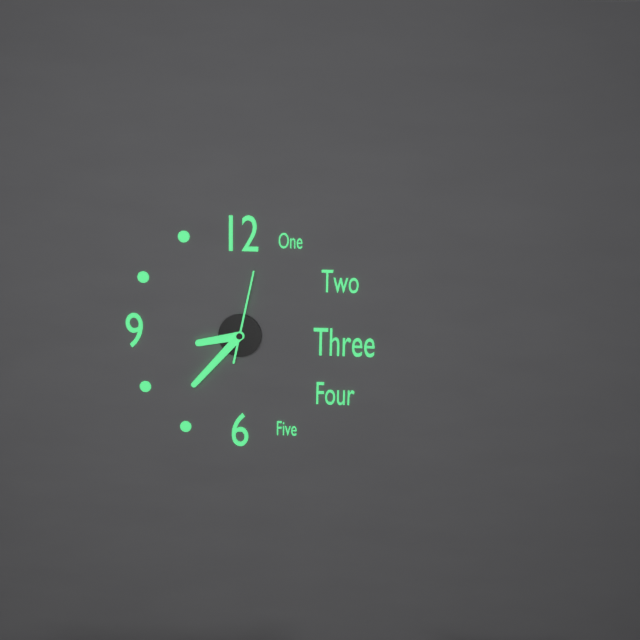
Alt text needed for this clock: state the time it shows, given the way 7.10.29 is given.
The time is 8.37.02
